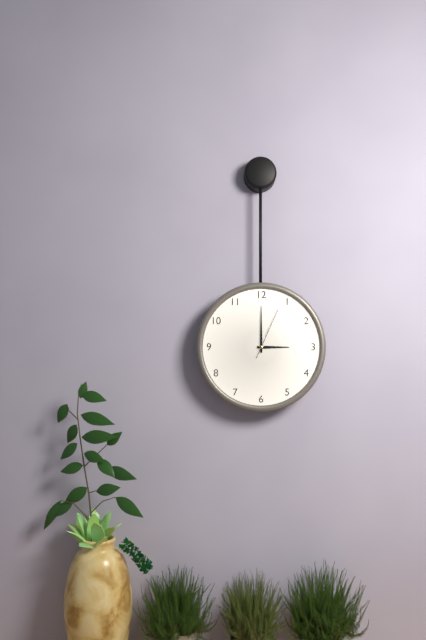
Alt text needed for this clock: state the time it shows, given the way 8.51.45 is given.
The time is 3.00.04
